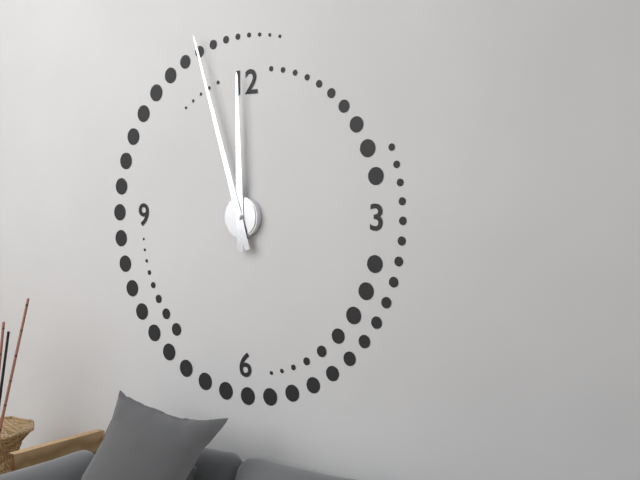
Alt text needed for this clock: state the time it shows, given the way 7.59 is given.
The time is 11.57
